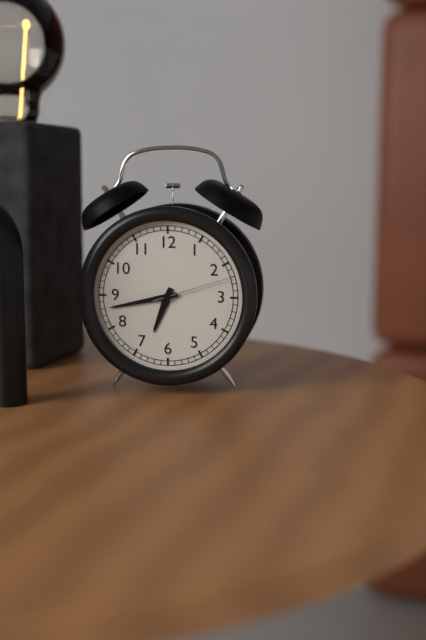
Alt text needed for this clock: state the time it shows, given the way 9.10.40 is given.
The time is 6.43.12
